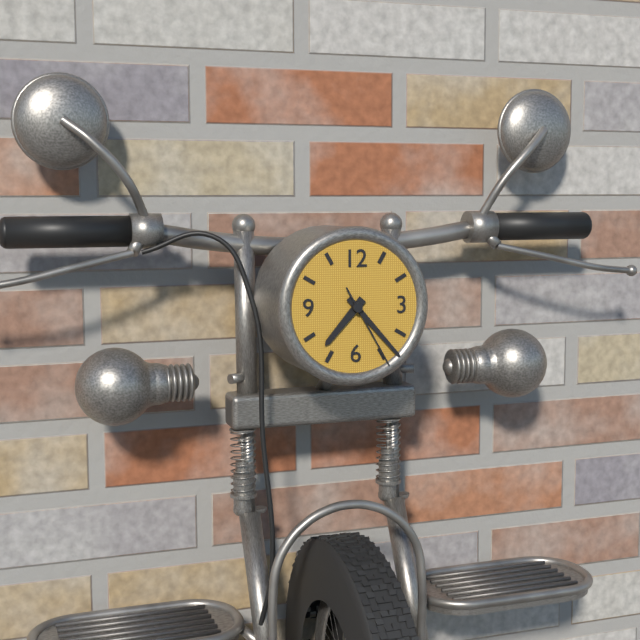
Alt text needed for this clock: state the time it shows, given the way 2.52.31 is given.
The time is 7.23.25
